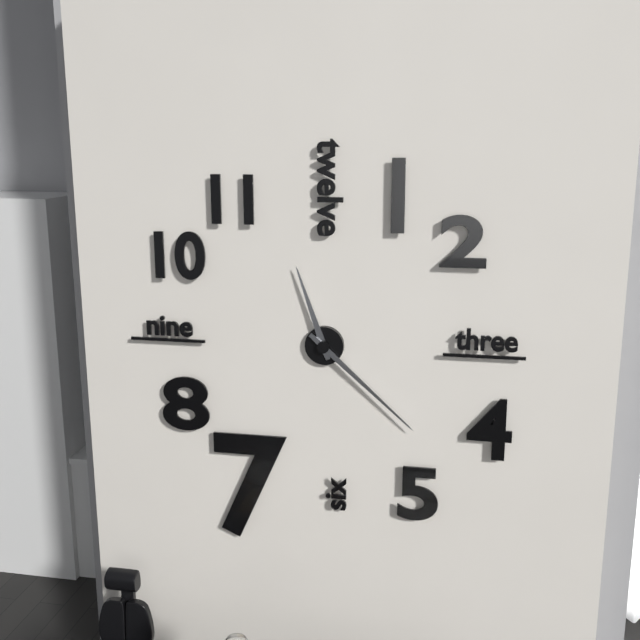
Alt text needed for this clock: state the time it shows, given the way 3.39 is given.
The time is 11.22
